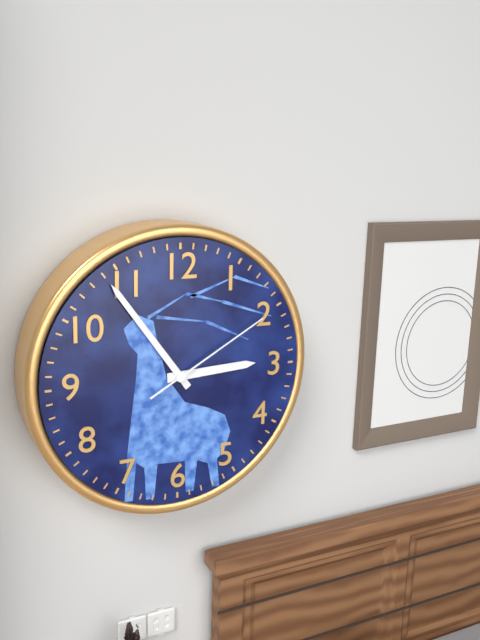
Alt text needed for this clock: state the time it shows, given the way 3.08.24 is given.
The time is 2.54.10
